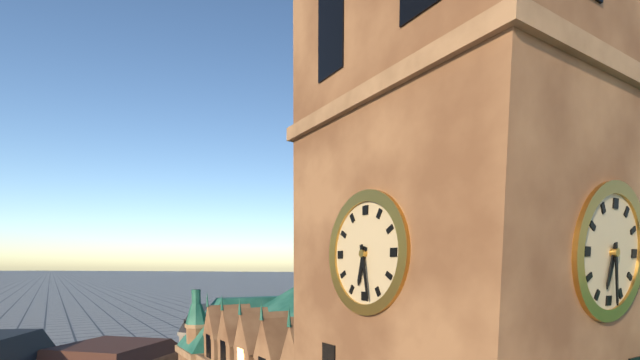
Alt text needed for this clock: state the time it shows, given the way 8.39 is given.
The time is 6.28
